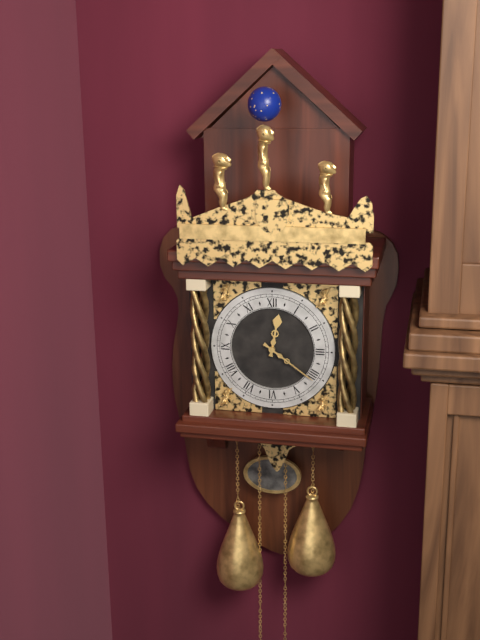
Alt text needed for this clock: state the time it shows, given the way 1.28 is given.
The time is 12.21
